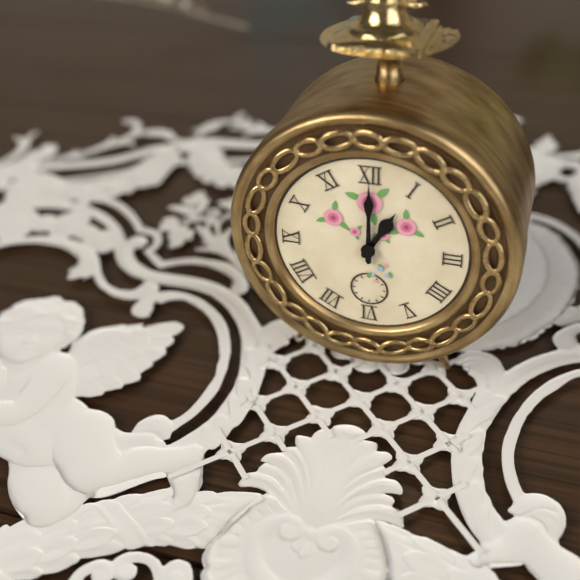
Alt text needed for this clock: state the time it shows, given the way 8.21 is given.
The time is 1.00
